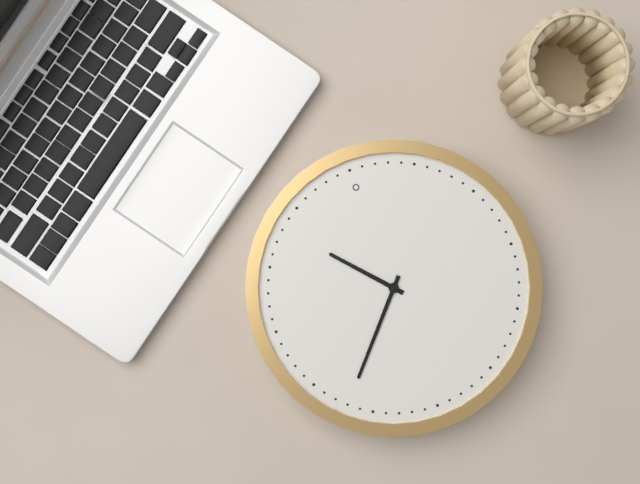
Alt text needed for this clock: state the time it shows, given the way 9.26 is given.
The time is 10.37
